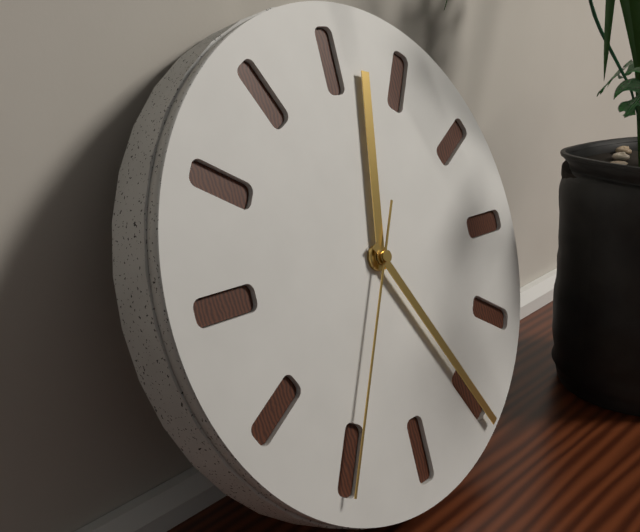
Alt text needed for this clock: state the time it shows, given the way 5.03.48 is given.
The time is 12.25.35
